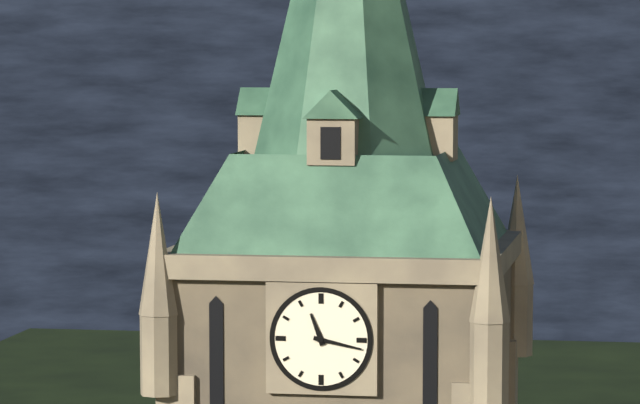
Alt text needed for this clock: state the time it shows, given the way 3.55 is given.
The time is 11.17
